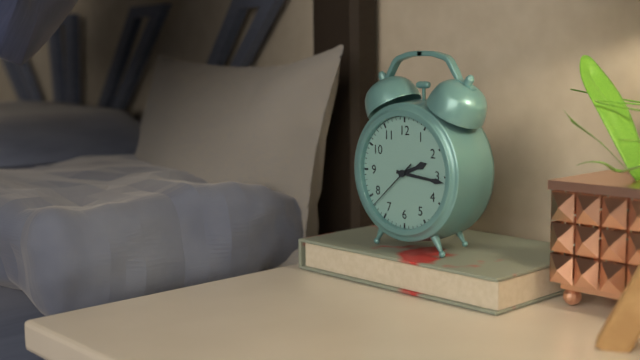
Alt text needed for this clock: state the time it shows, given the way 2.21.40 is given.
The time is 2.16.38
